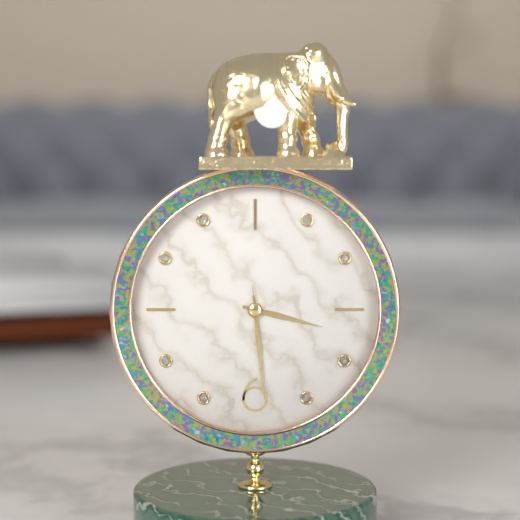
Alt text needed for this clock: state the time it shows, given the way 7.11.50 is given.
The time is 3.29.29
